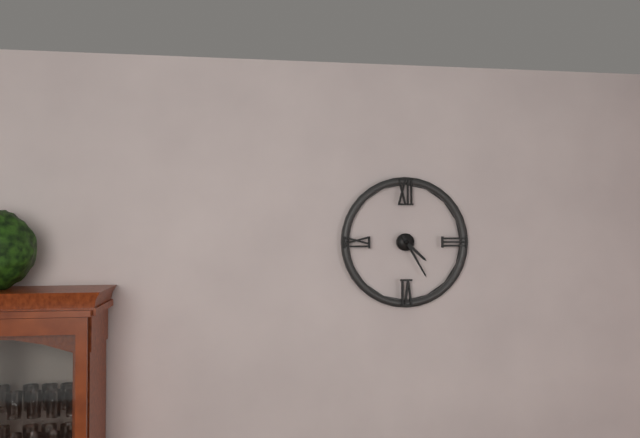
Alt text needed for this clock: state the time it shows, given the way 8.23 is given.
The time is 4.25
